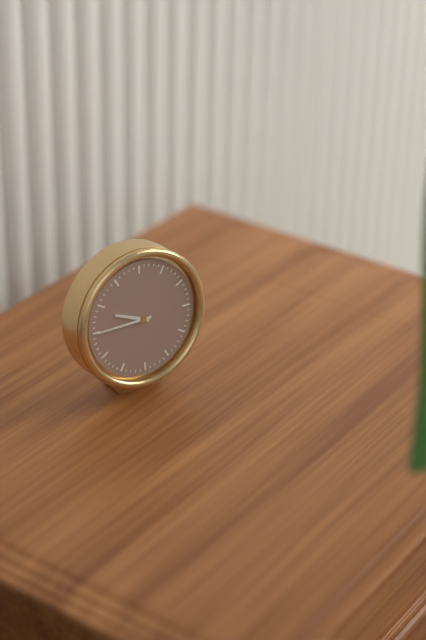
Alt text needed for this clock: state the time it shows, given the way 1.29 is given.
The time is 9.45
